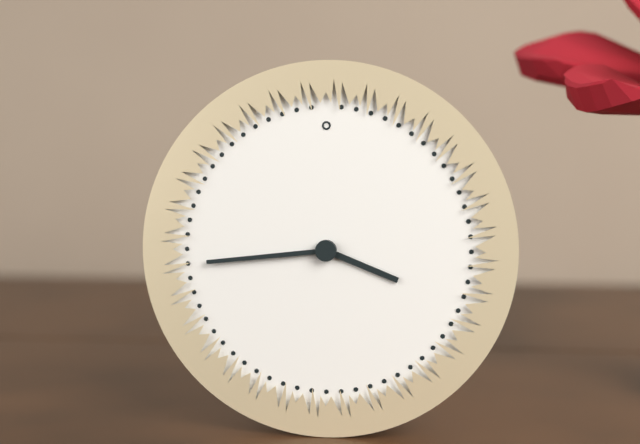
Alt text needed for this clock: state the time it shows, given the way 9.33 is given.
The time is 3.44
